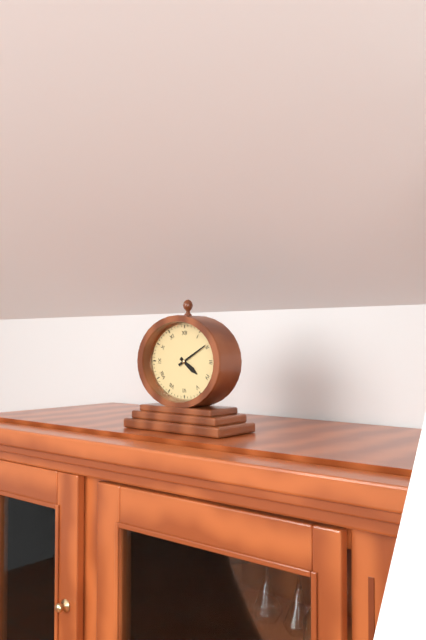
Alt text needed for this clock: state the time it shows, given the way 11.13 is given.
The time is 4.10
